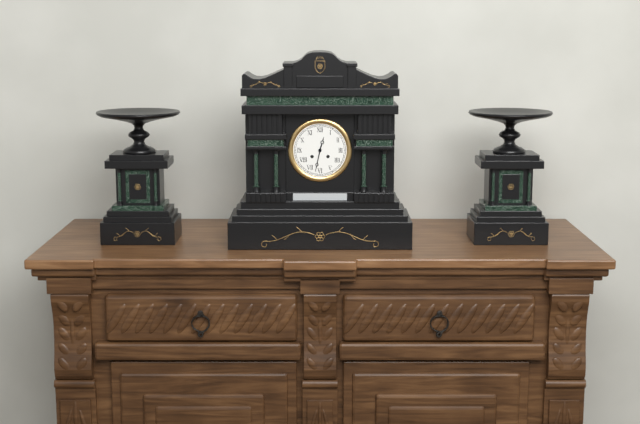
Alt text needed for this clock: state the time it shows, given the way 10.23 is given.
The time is 12.32
